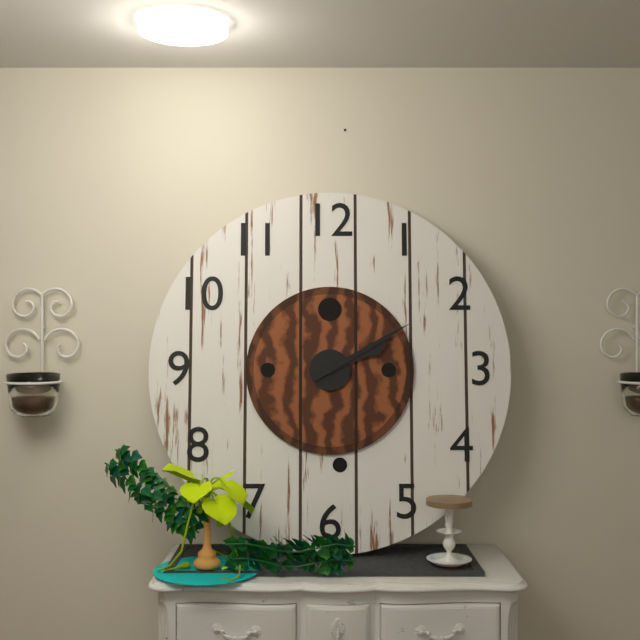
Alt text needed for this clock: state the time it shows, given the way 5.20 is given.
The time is 2.10
